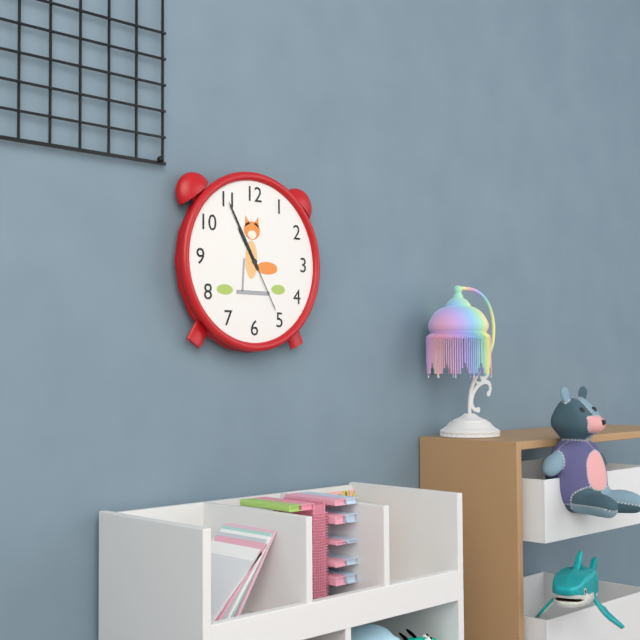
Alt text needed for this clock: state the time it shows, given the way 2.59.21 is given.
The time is 10.55.25
